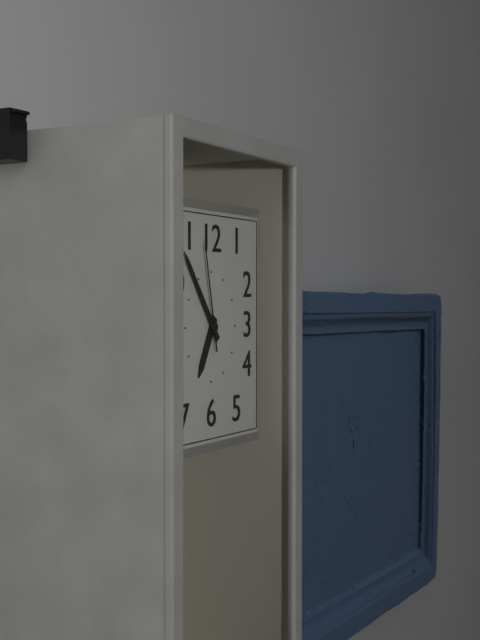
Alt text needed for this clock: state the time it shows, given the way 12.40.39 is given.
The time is 6.54.58
